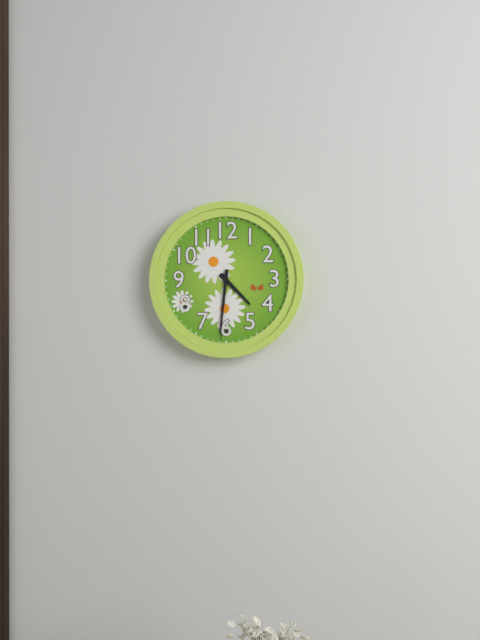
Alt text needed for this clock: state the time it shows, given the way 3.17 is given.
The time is 4.31
